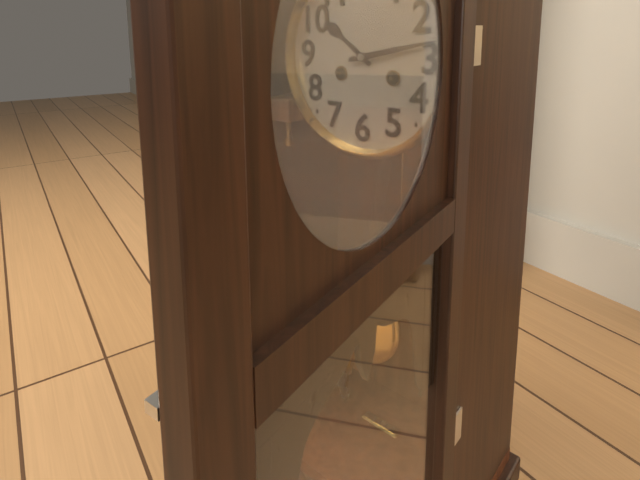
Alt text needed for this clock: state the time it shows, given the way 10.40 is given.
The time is 10.13
